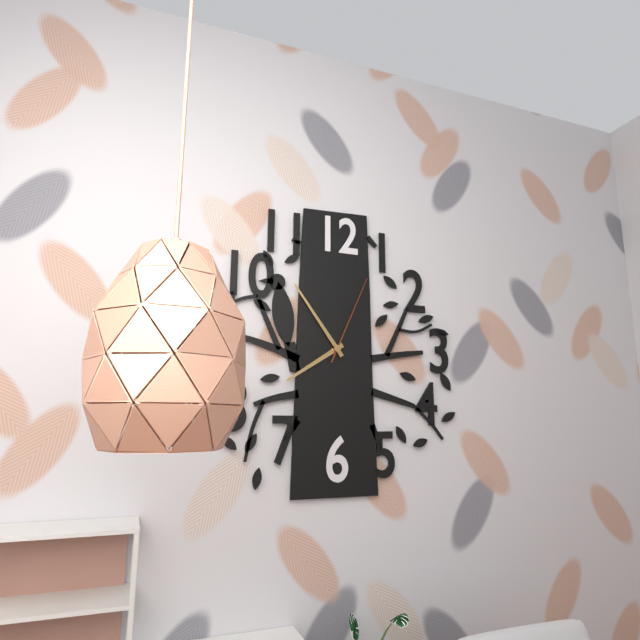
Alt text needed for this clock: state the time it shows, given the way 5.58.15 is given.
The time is 7.54.04
